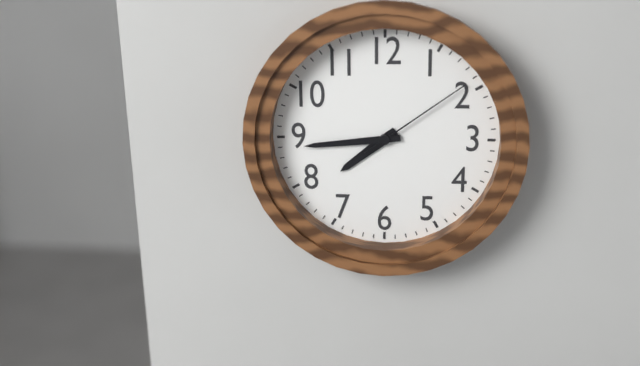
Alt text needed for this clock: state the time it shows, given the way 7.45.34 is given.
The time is 7.44.09
